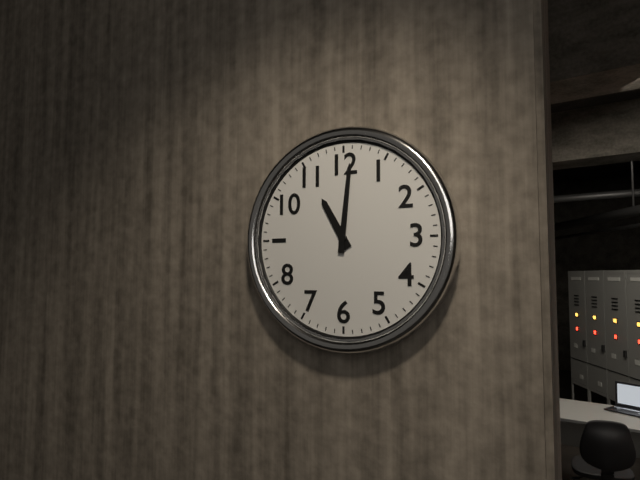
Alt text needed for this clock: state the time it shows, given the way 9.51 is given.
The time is 11.01
